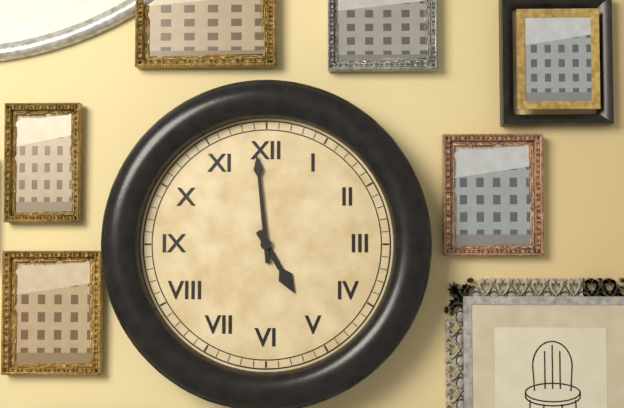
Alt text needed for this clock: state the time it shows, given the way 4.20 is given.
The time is 4.59
